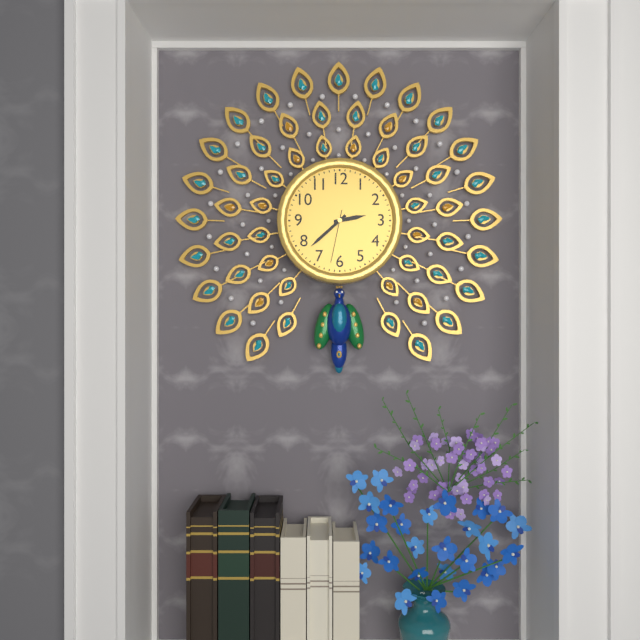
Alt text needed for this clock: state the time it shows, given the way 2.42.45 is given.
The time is 2.38.32
